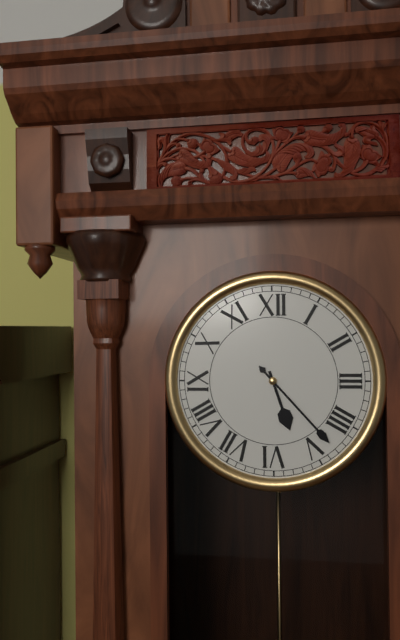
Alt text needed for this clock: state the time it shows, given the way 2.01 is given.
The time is 5.23
